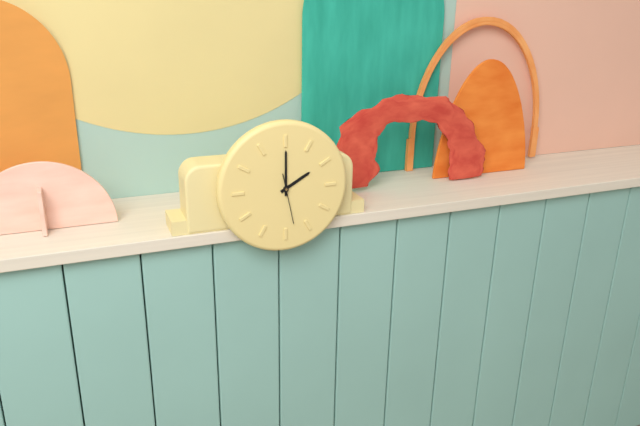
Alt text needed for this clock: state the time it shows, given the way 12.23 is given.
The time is 2.00
